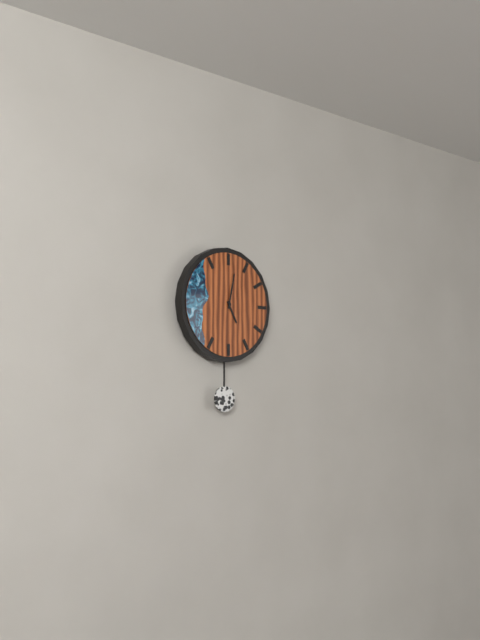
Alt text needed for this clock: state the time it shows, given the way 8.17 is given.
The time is 5.02
